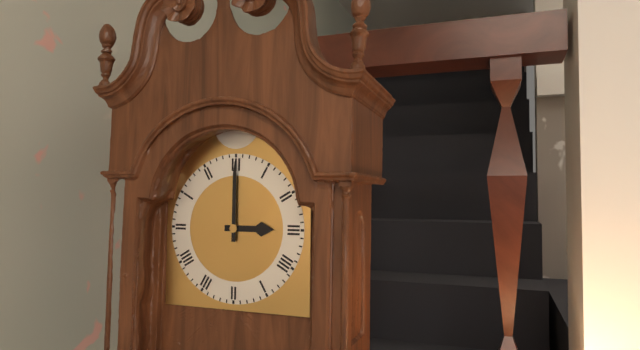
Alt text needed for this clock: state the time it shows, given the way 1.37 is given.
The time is 3.00
